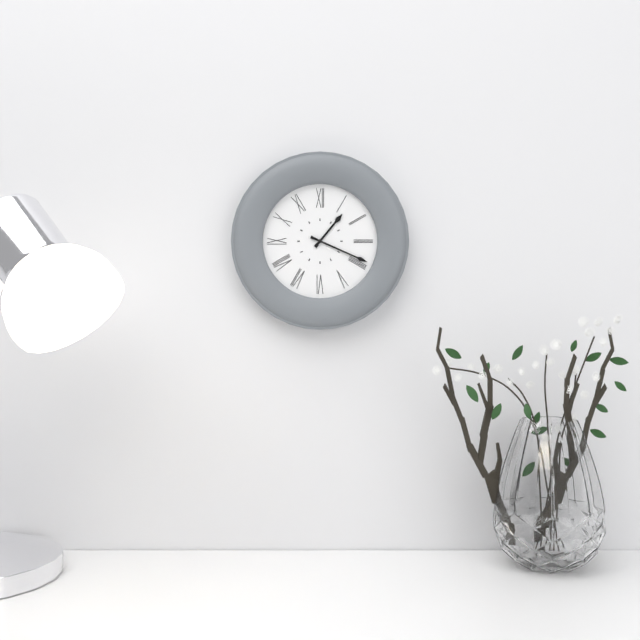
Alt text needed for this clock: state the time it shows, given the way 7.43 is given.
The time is 1.19
